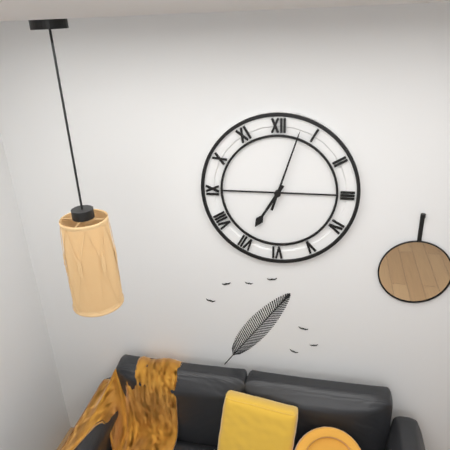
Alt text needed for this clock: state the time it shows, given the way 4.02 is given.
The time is 7.03
